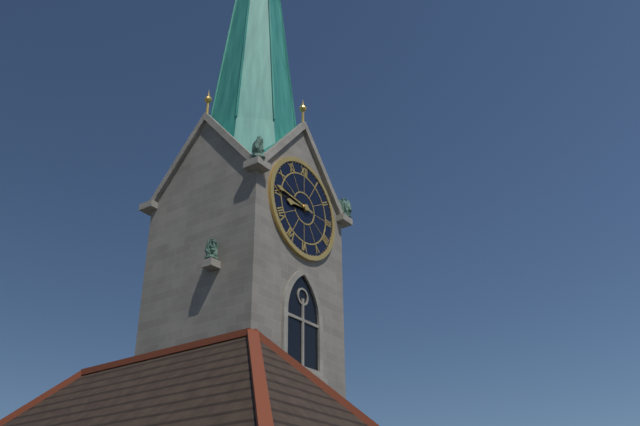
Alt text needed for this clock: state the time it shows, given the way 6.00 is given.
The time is 8.46
